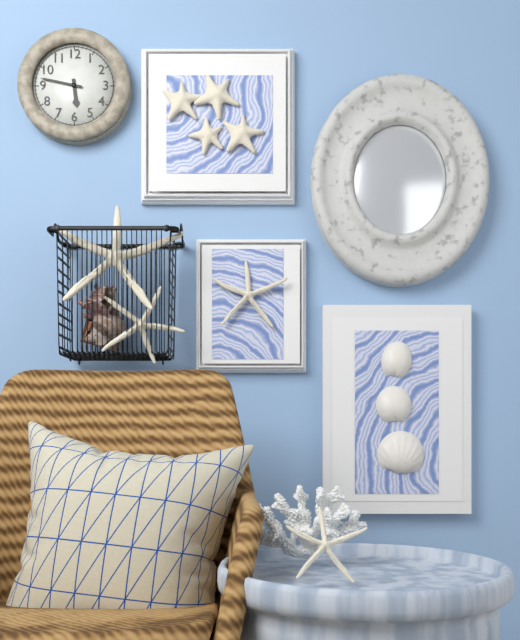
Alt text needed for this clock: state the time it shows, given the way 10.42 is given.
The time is 5.47
